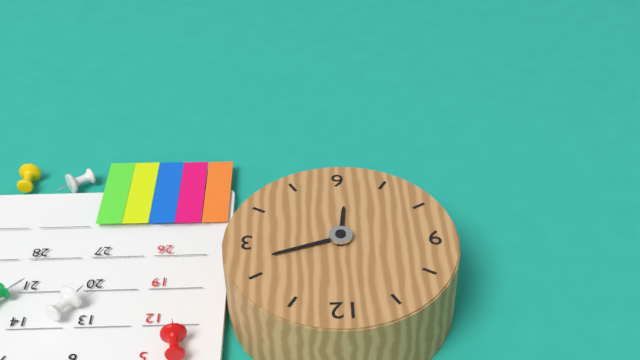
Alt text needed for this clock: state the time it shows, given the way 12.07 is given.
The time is 6.12
